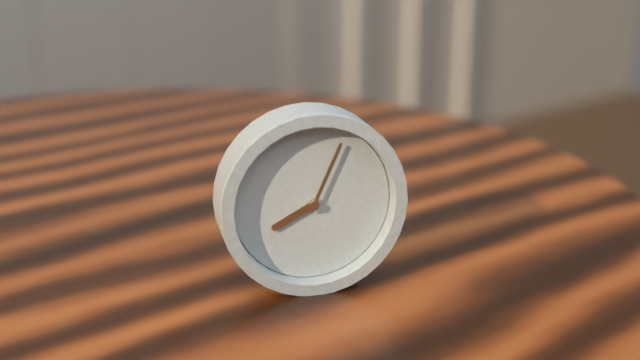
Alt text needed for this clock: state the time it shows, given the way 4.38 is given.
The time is 8.04
